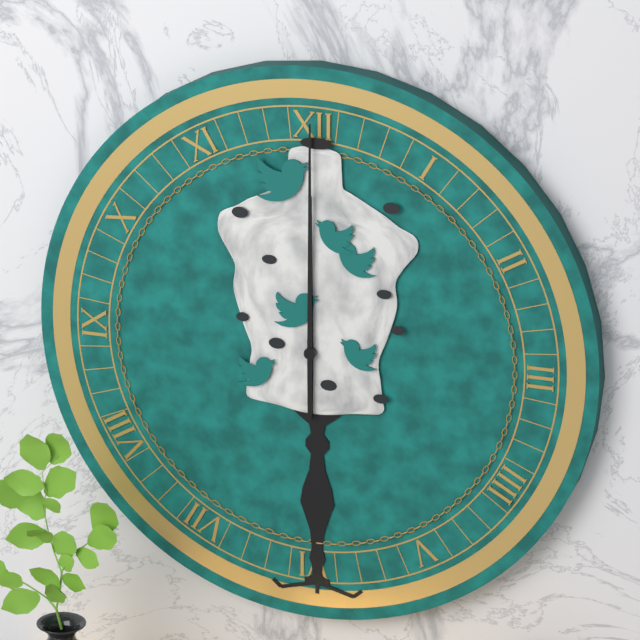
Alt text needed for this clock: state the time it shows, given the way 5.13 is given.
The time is 12.00
